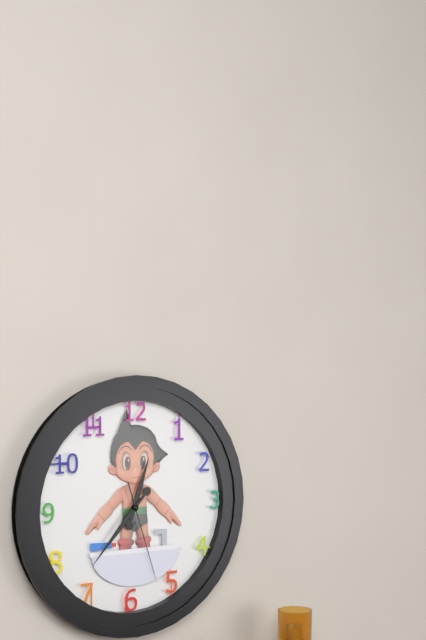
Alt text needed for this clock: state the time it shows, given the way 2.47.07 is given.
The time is 12.37.27
